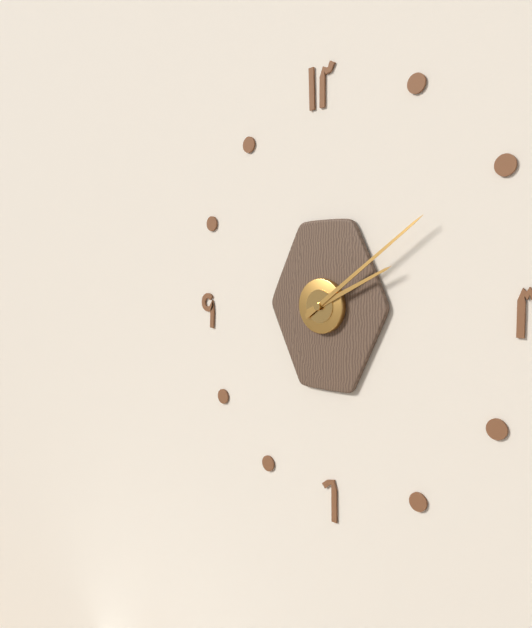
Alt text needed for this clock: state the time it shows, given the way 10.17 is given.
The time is 2.09
